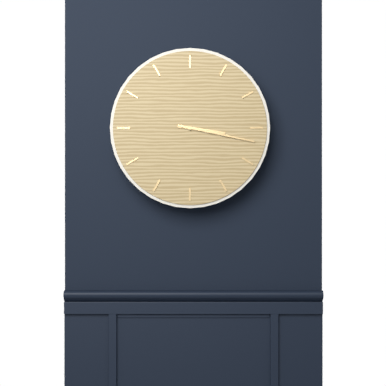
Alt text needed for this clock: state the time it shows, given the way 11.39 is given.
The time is 3.17
